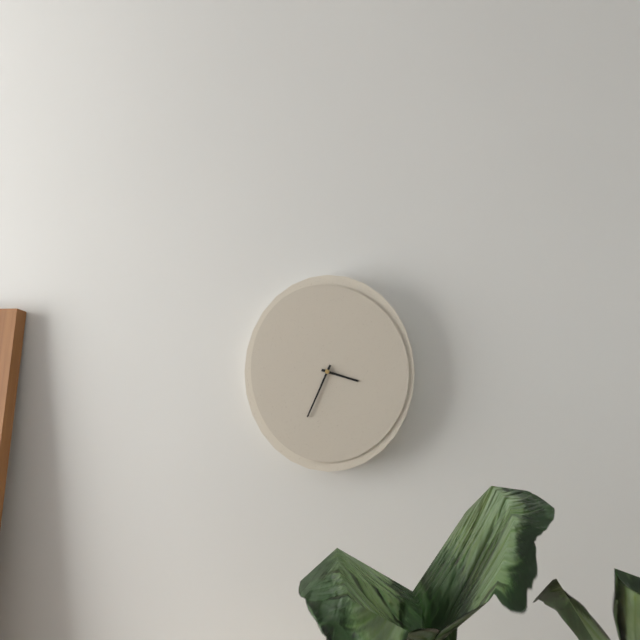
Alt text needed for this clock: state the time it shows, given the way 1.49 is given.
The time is 3.34
